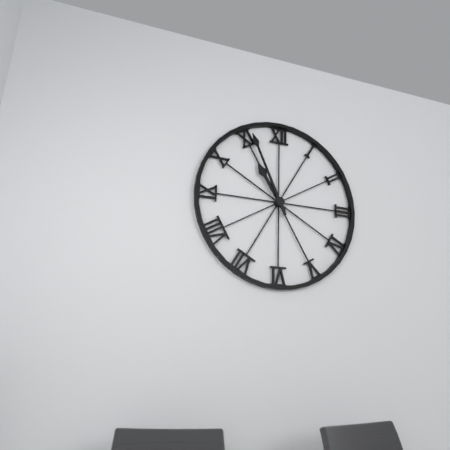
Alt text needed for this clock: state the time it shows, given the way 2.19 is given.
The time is 10.56
